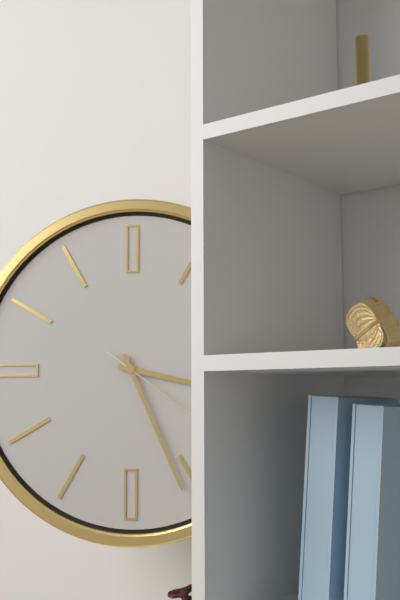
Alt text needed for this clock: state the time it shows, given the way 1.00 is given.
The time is 3.26
